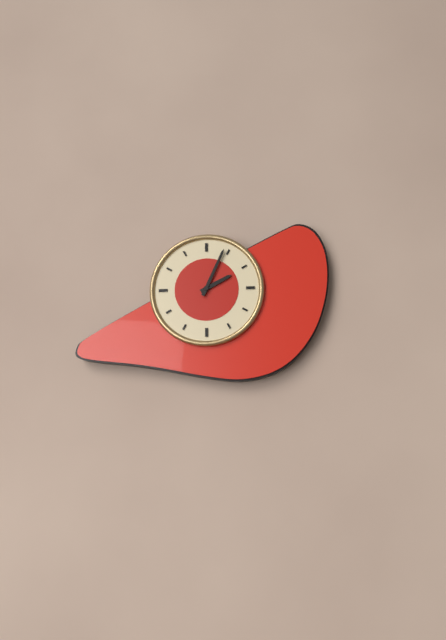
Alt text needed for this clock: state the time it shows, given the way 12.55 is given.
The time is 2.04
